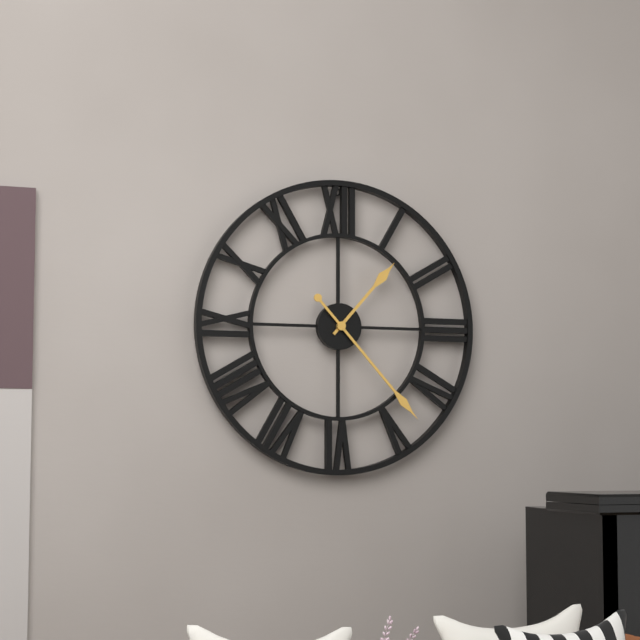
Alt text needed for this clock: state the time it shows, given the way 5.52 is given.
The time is 1.23
